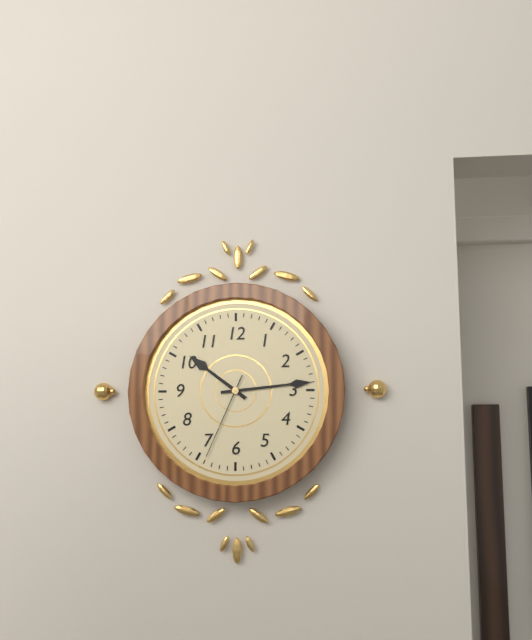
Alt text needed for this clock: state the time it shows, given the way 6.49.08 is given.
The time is 10.14.34
